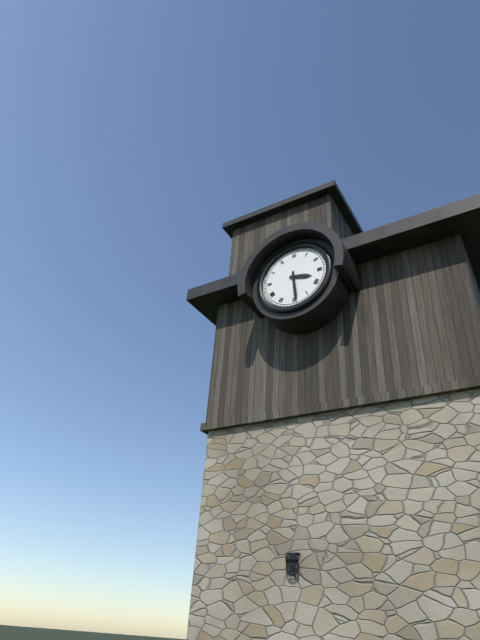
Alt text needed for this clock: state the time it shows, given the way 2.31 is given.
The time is 3.29
